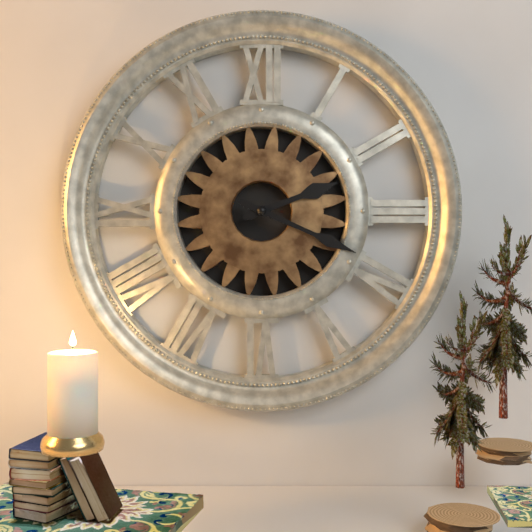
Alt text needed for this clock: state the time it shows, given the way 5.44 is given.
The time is 2.19
